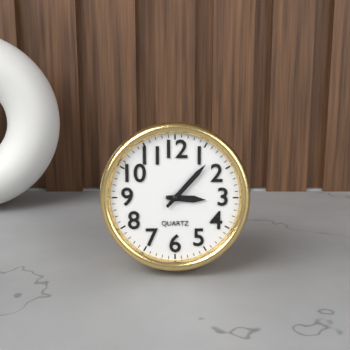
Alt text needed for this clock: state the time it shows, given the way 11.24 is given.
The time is 3.07
